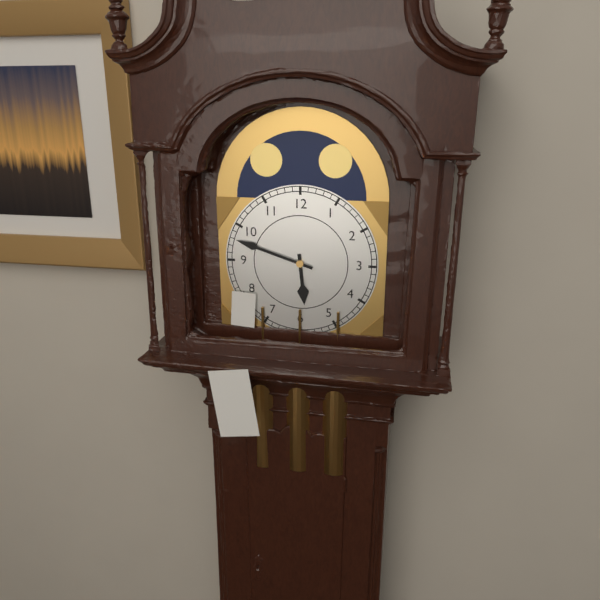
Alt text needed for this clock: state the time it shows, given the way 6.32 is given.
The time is 5.48
